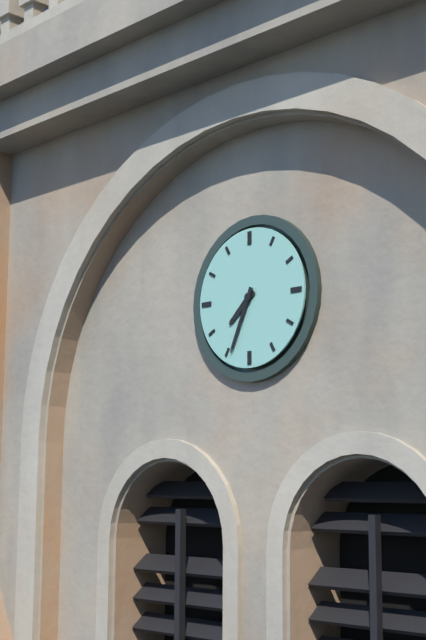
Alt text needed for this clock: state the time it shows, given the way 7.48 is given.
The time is 7.34
